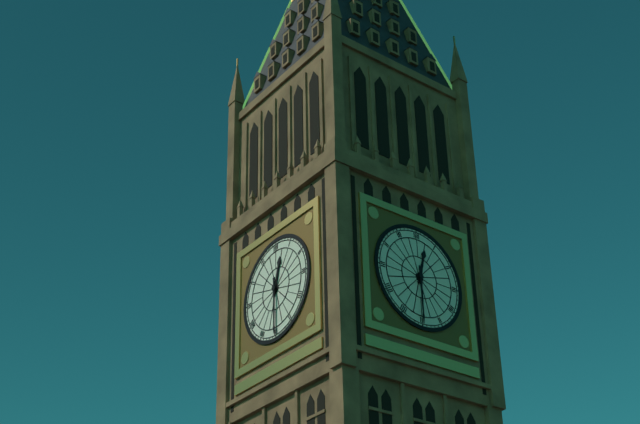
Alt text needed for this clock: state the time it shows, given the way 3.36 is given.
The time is 12.30
